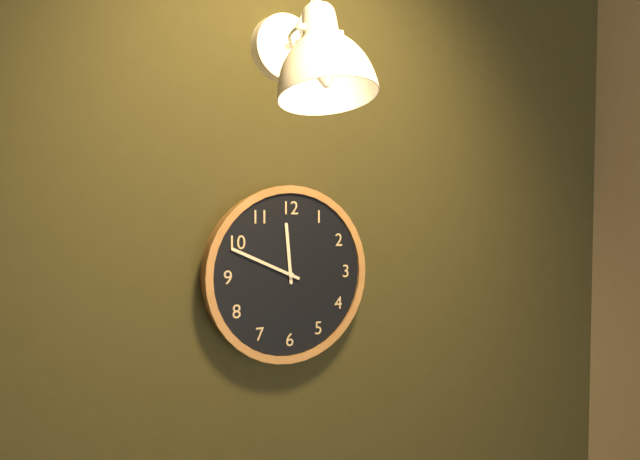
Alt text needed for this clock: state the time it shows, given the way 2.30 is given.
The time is 11.49
